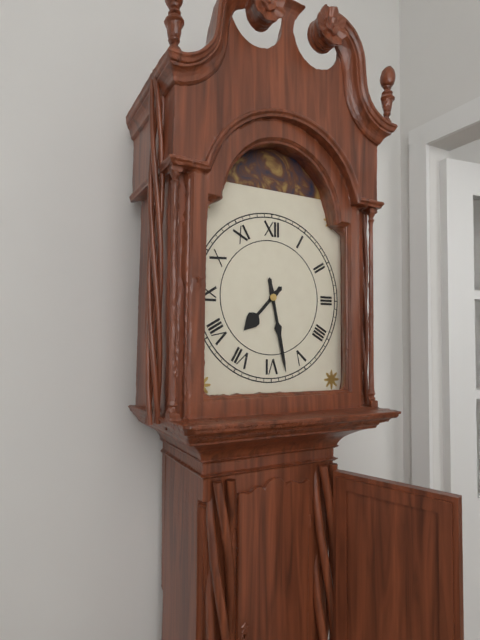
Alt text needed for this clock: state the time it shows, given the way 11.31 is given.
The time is 7.28
